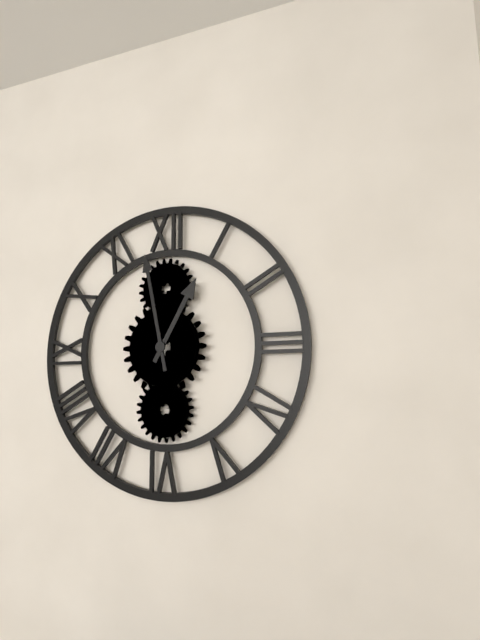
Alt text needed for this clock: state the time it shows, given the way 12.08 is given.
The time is 12.58
